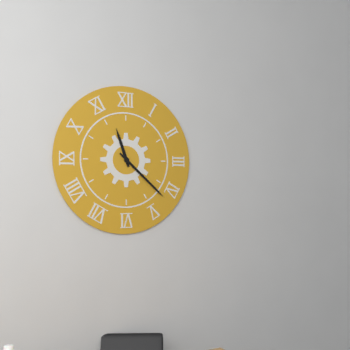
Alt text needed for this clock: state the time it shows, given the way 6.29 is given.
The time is 11.22
